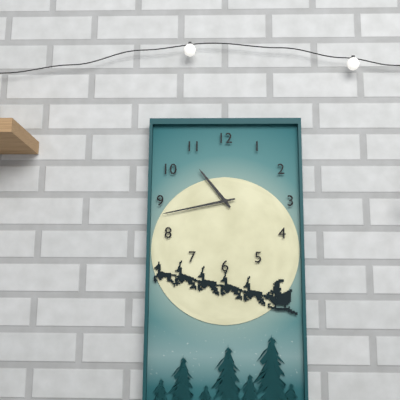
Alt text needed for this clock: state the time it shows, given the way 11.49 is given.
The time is 10.43
